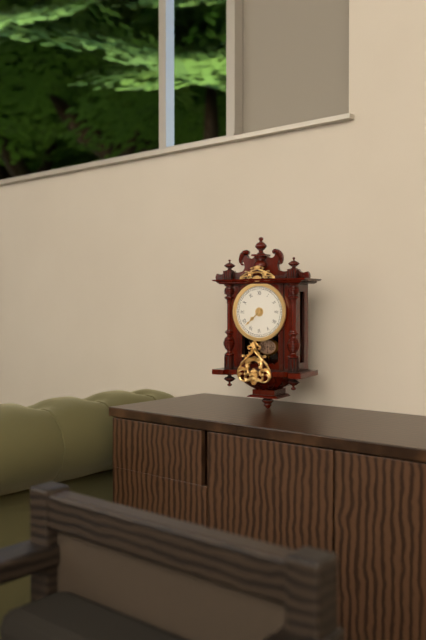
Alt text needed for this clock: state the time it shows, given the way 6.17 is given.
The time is 7.38
